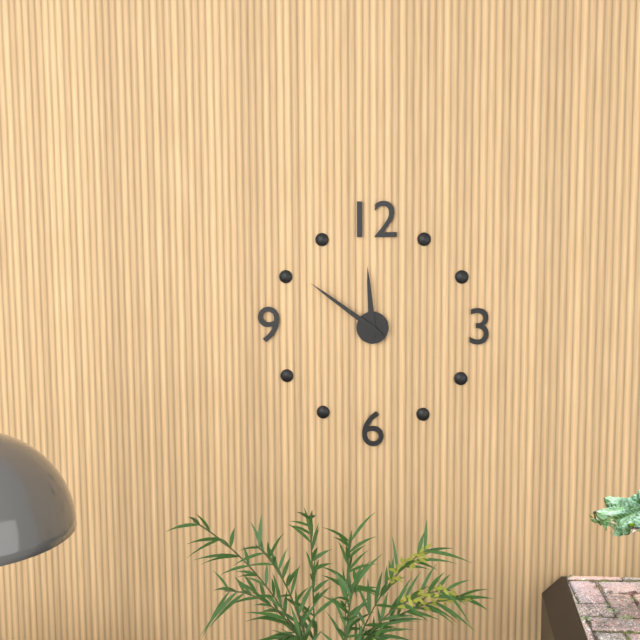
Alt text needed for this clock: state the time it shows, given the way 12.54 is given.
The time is 11.51
